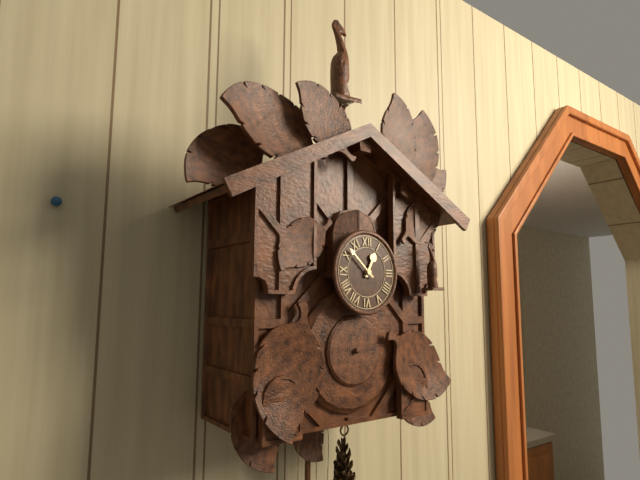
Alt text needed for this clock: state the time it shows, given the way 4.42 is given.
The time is 12.52
